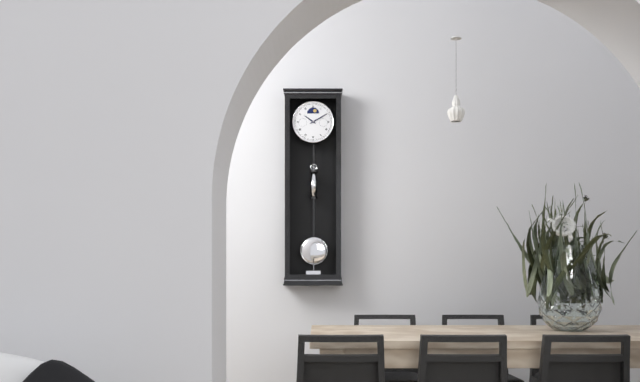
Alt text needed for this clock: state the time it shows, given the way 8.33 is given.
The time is 10.10
